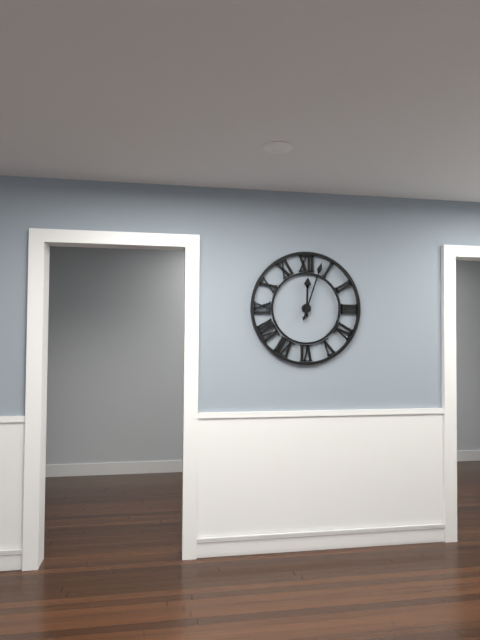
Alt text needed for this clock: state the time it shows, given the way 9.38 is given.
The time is 12.03
